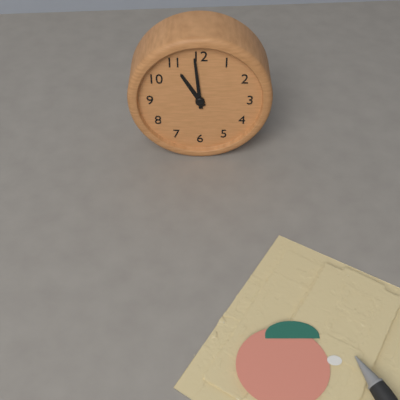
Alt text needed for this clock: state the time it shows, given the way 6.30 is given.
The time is 10.59
